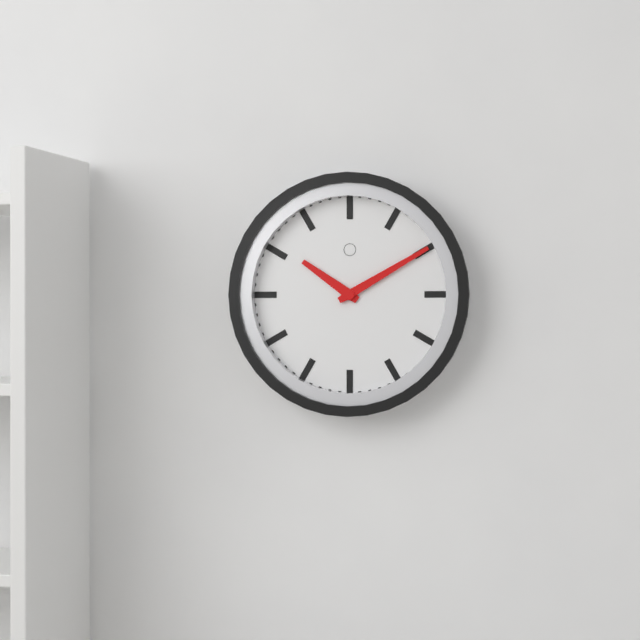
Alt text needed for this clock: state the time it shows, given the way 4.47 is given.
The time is 10.10
